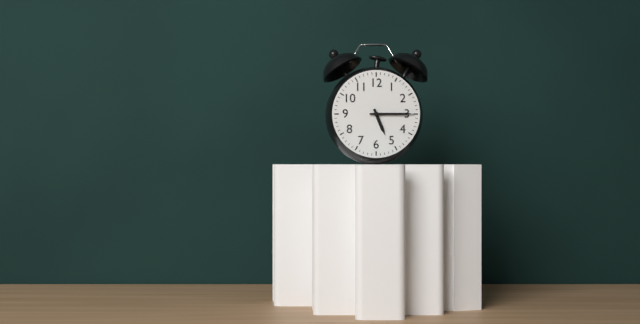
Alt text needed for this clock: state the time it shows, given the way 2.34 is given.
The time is 5.15
